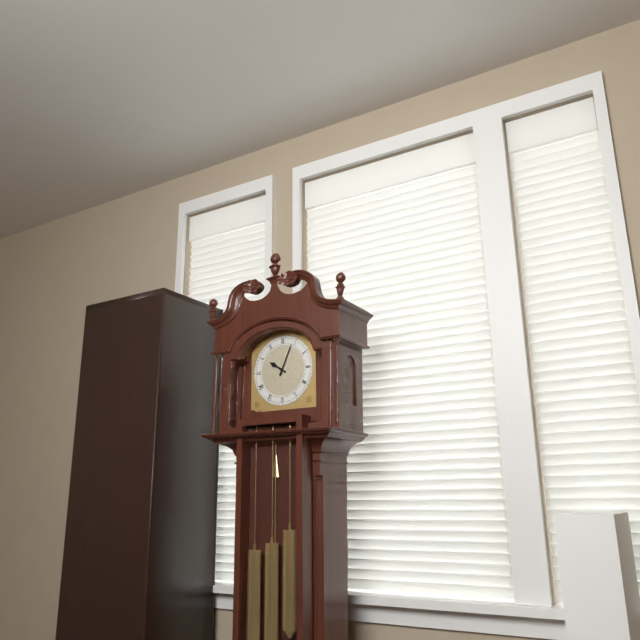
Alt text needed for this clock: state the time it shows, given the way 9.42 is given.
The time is 10.04
